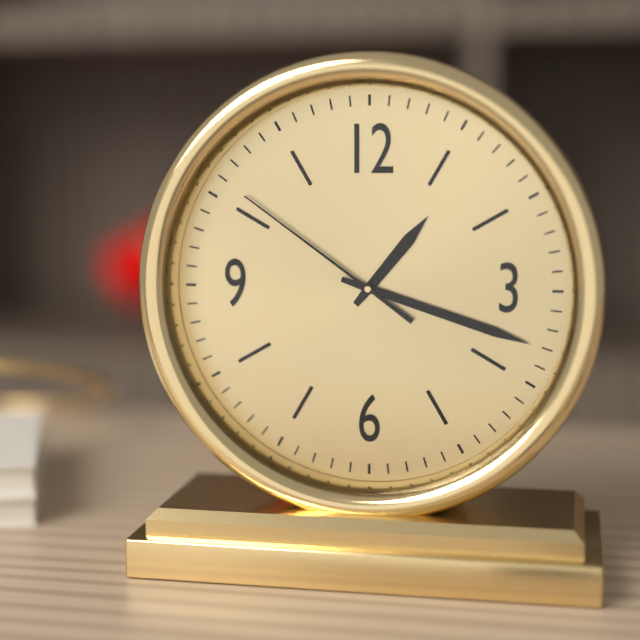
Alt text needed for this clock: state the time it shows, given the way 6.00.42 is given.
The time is 1.18.51
